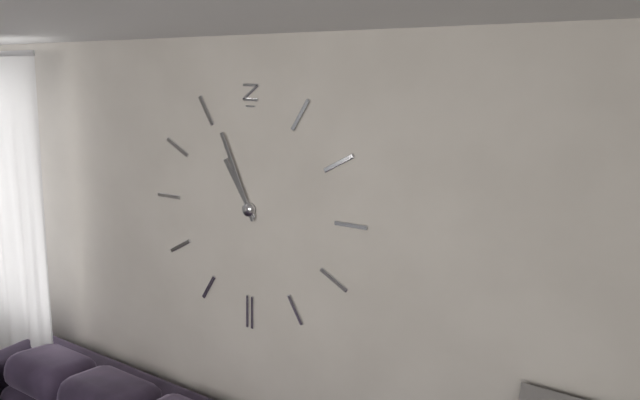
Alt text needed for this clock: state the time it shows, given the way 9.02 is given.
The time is 10.56
